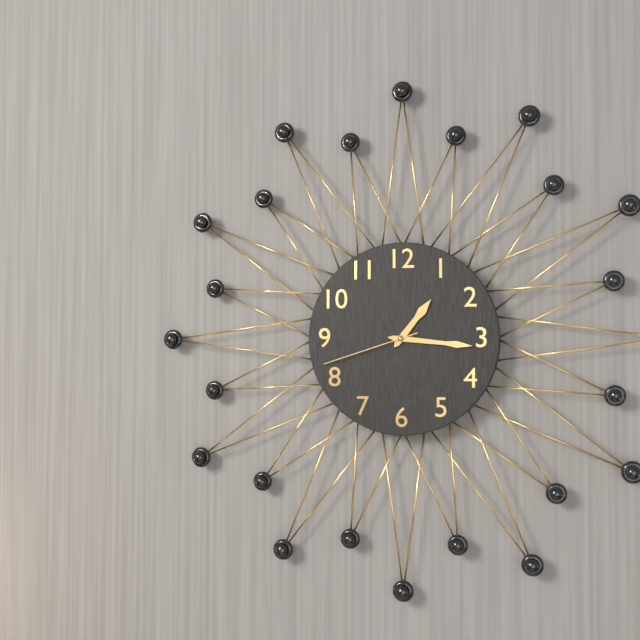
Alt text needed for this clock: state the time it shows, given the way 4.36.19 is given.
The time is 1.16.42
